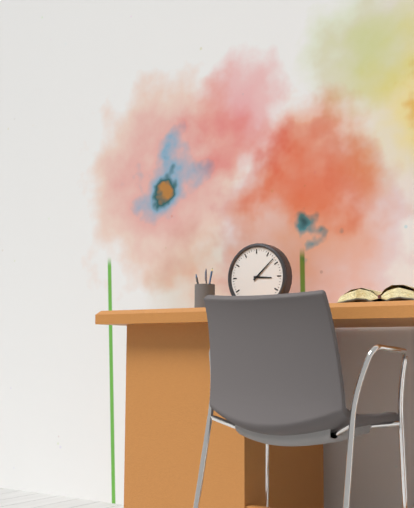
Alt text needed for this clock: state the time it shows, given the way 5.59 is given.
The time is 3.08
